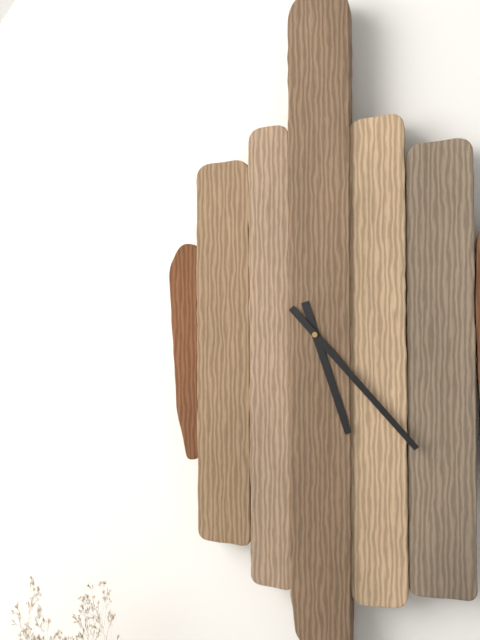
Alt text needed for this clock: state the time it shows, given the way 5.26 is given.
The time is 5.23
